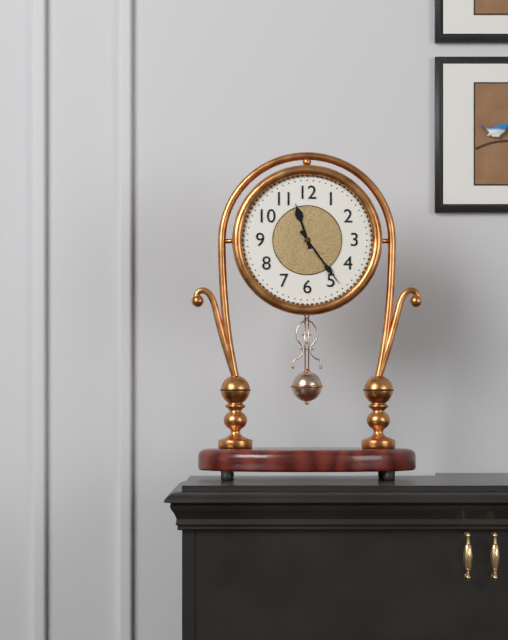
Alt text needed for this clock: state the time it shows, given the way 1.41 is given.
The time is 11.24
